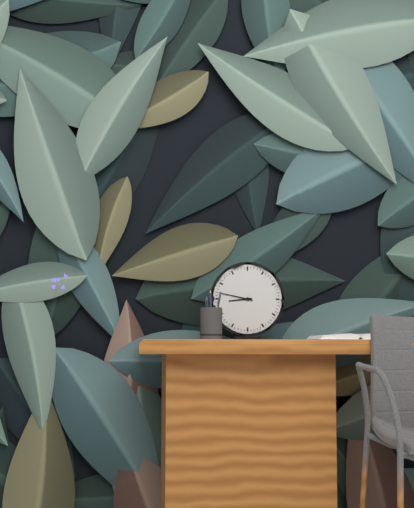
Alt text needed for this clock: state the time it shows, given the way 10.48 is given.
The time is 8.47
